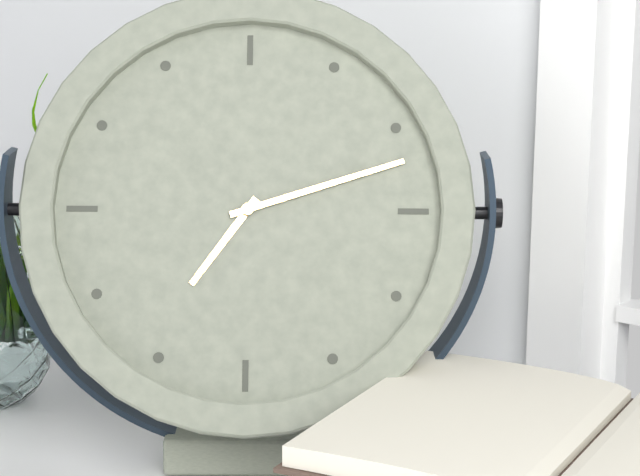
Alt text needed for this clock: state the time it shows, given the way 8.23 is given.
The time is 7.12
